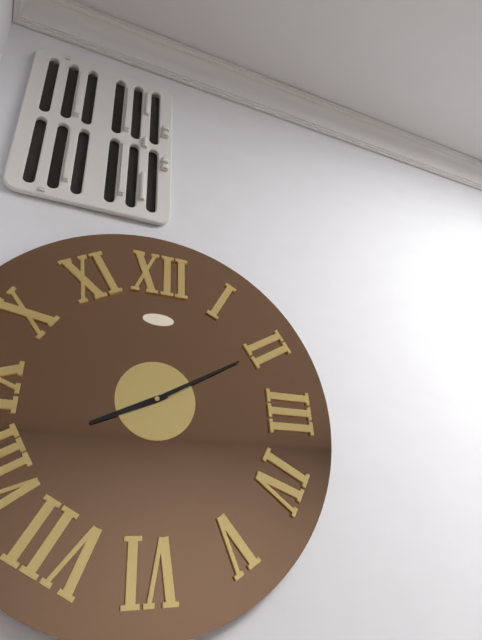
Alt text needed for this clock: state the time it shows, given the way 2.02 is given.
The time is 8.10
